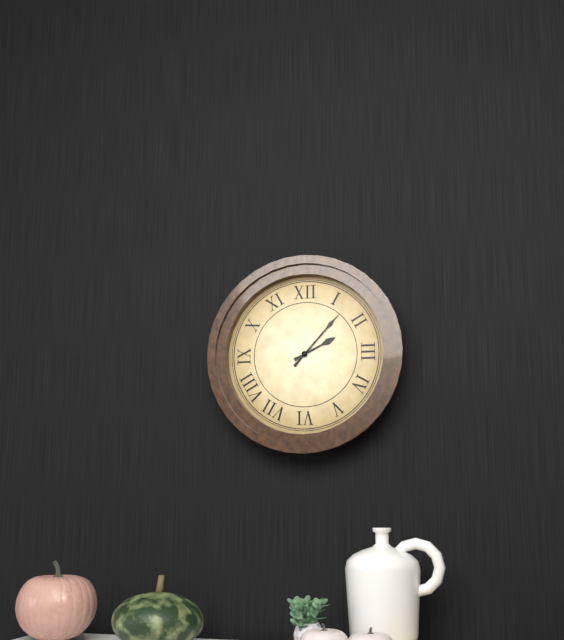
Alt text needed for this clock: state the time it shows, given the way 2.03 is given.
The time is 2.07
